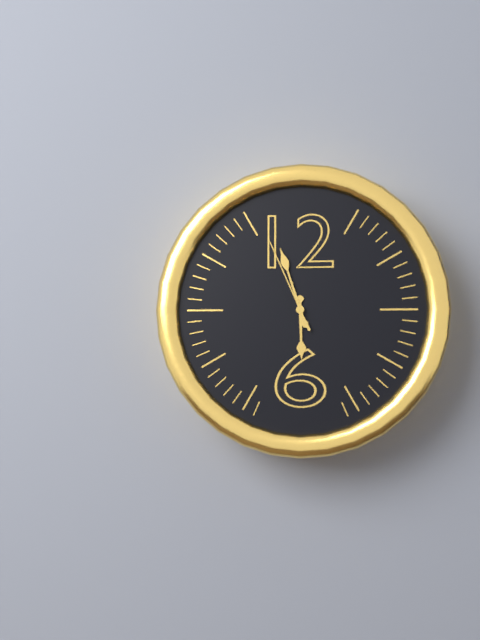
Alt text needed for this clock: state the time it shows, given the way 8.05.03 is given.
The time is 5.57.56
